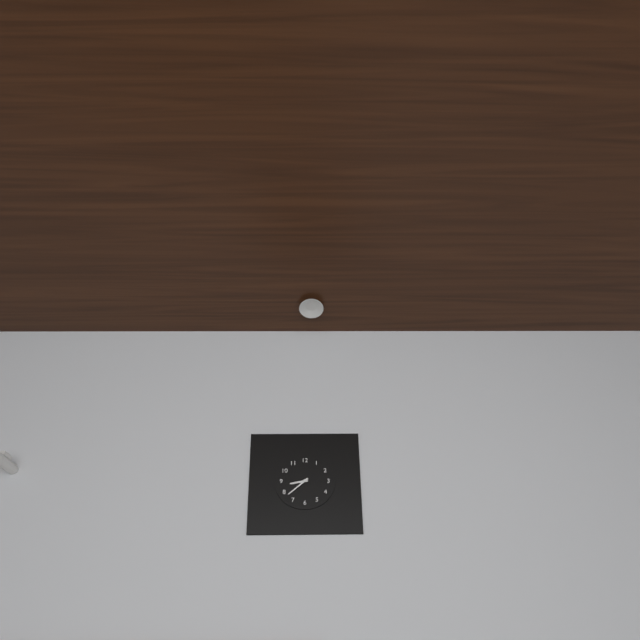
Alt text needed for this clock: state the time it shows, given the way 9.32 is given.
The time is 8.38
